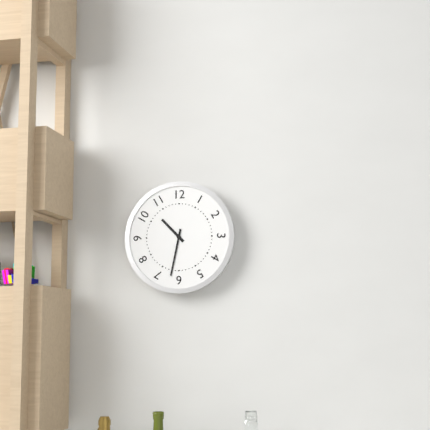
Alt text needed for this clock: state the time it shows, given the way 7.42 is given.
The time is 10.32
